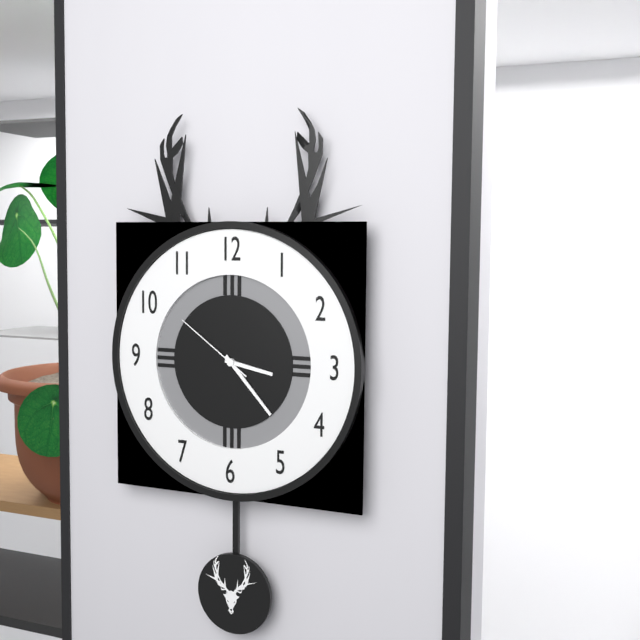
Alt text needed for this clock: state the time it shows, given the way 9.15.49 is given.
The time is 3.23.51
